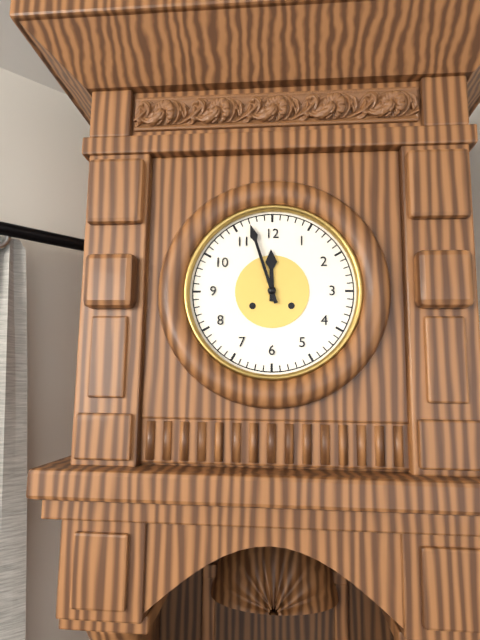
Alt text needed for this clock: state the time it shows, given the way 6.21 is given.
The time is 11.57
